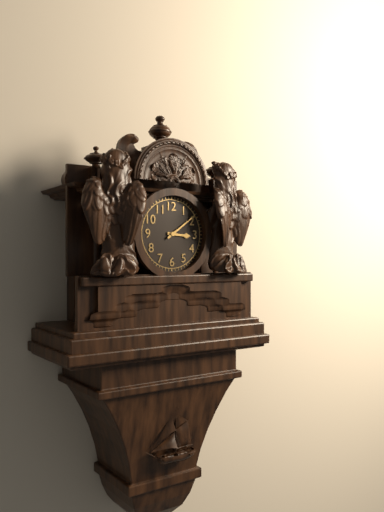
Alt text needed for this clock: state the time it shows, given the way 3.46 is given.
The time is 3.09
